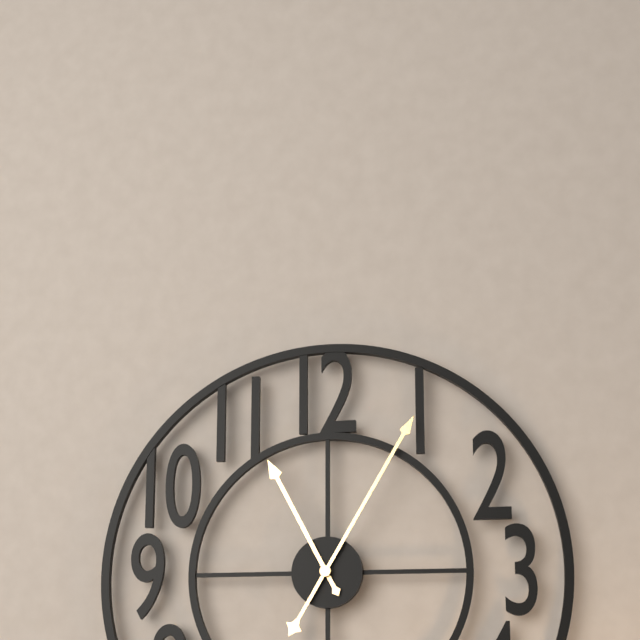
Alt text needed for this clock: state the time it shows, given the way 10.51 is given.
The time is 11.05
